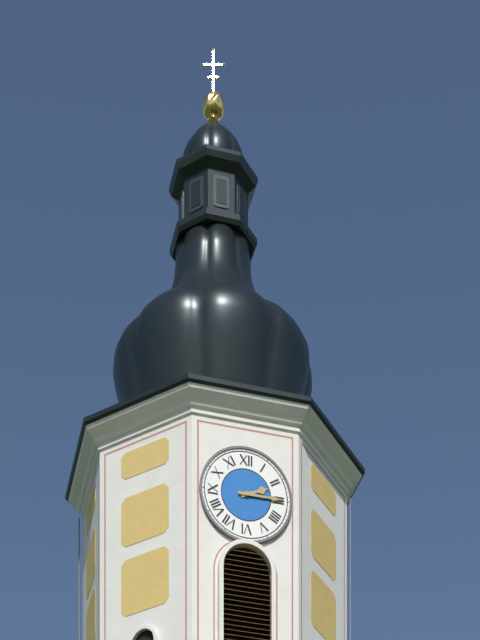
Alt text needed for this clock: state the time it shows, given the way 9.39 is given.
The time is 2.15
